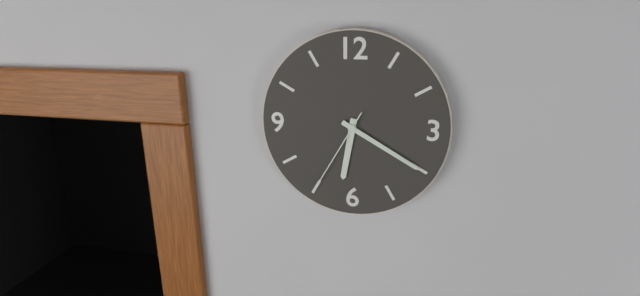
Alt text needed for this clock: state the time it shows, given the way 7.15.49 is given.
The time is 6.20.35
